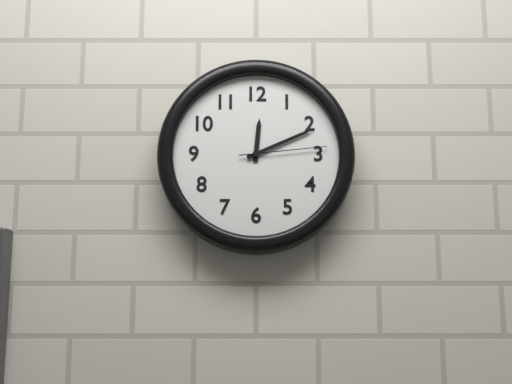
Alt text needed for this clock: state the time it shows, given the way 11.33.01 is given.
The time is 12.11.14
